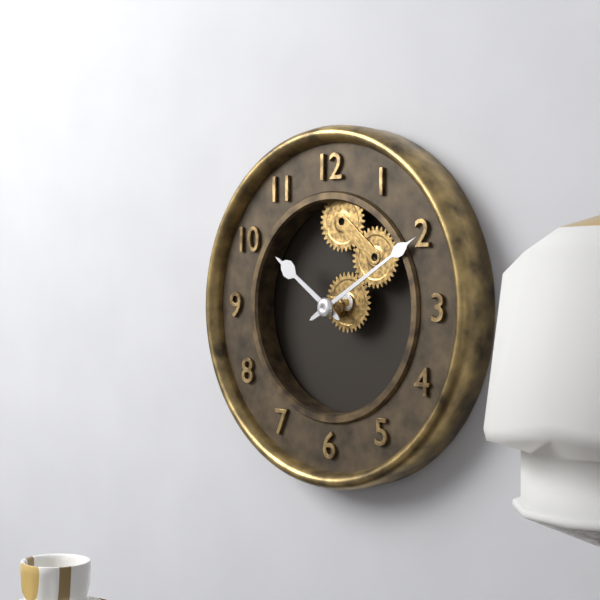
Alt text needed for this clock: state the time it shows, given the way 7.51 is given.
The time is 10.10
